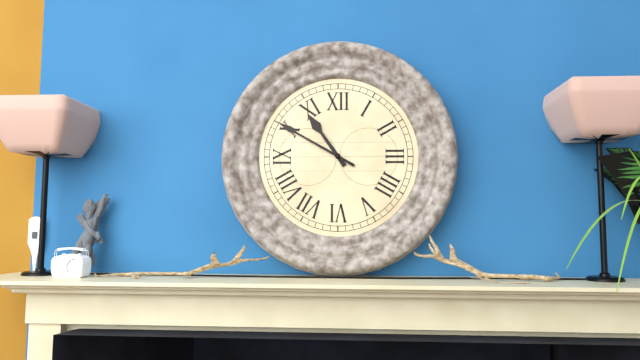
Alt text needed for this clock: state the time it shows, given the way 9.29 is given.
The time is 10.50
